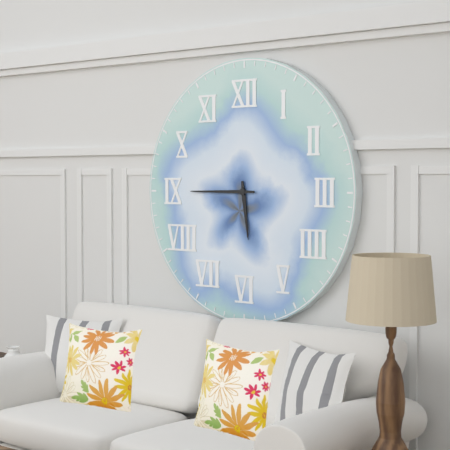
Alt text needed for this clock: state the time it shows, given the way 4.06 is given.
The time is 5.45
